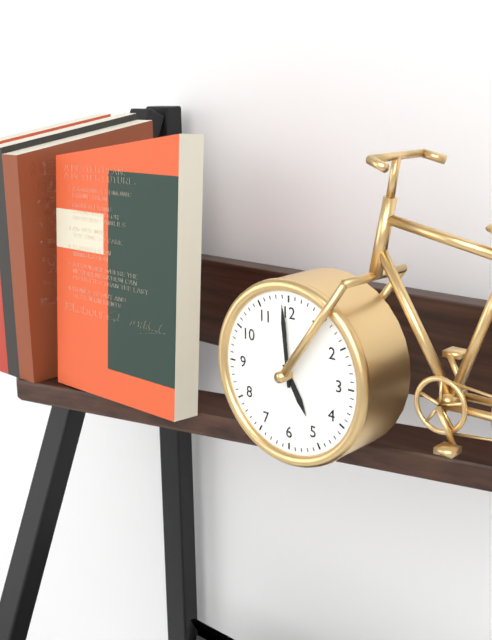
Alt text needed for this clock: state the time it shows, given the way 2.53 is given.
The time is 4.59
